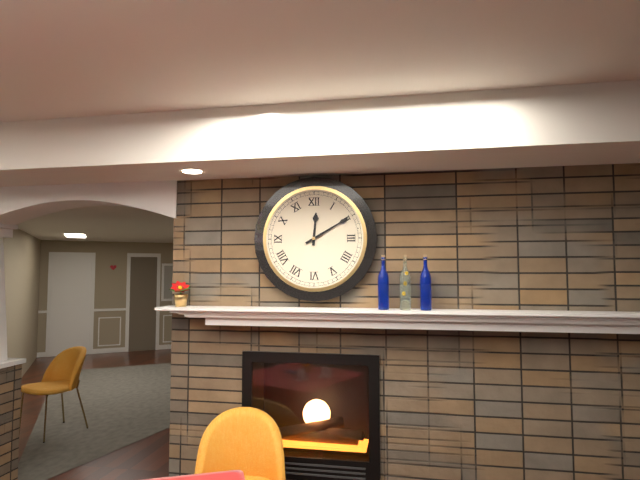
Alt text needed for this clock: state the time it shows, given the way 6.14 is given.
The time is 12.10
